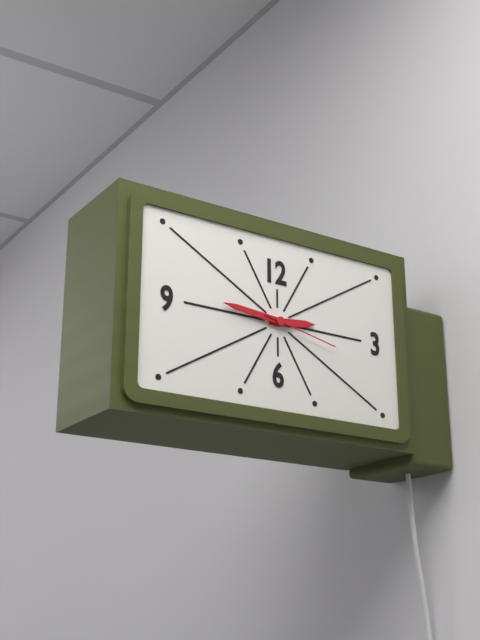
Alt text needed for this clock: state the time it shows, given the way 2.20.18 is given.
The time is 2.46.17
